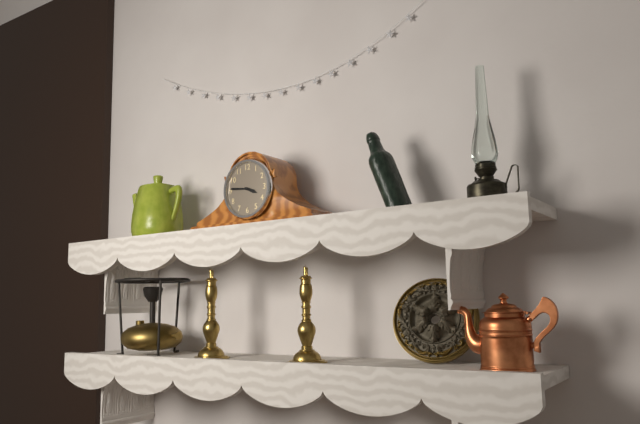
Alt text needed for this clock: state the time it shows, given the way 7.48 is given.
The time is 3.46
